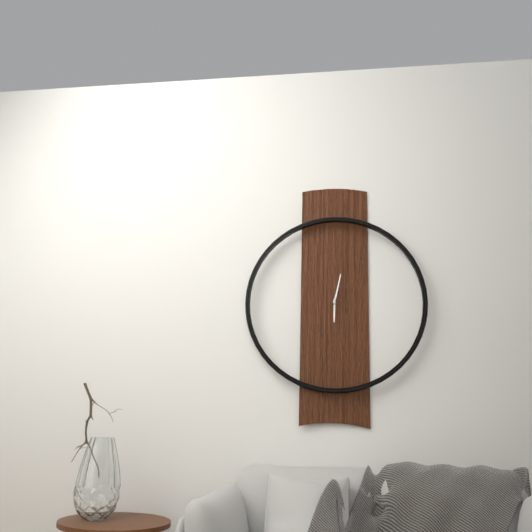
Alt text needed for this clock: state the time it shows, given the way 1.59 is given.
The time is 6.02
